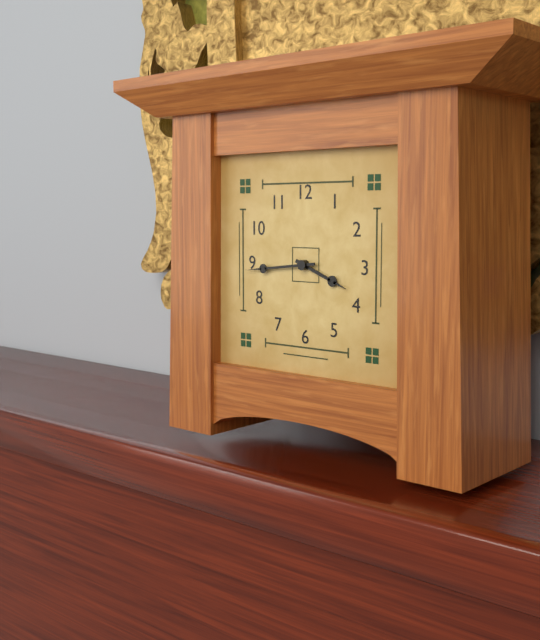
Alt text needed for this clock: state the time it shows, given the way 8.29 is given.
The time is 3.44
